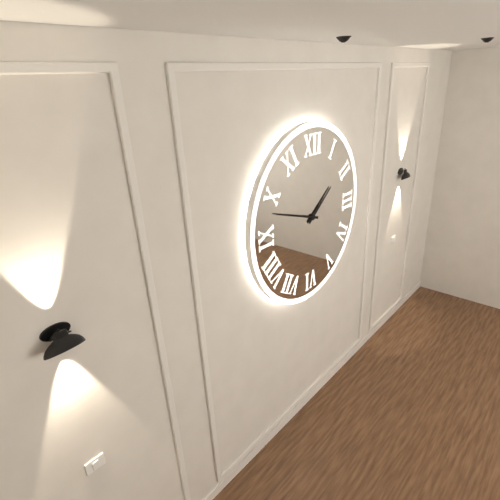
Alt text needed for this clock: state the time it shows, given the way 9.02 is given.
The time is 1.48
